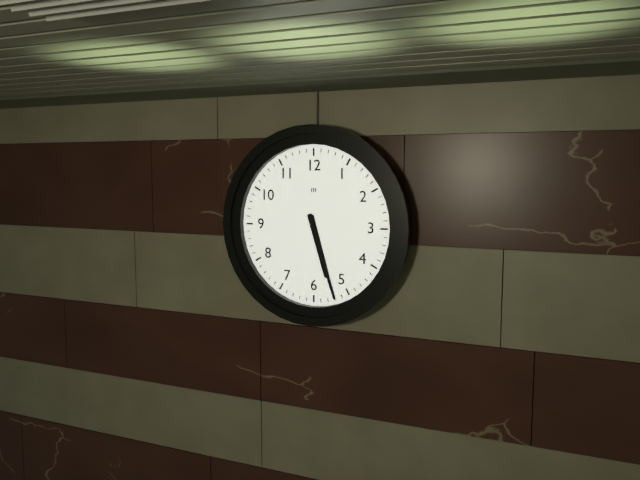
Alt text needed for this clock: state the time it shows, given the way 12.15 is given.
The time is 5.27
